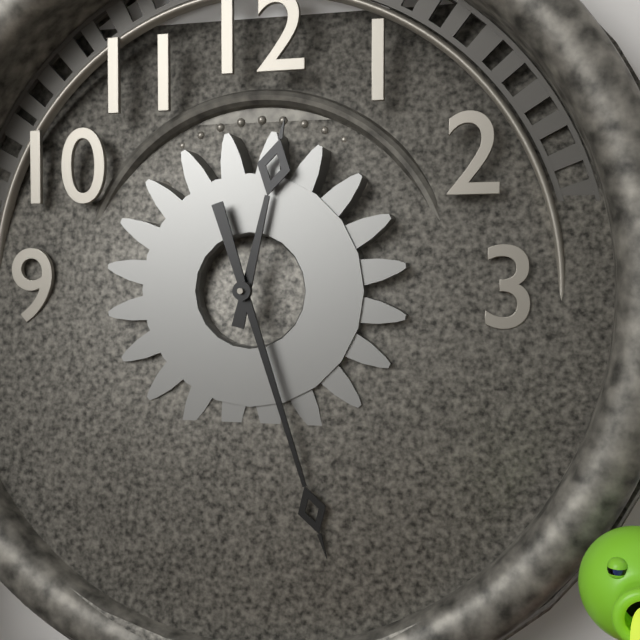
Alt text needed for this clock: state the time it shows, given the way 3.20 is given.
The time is 12.27
